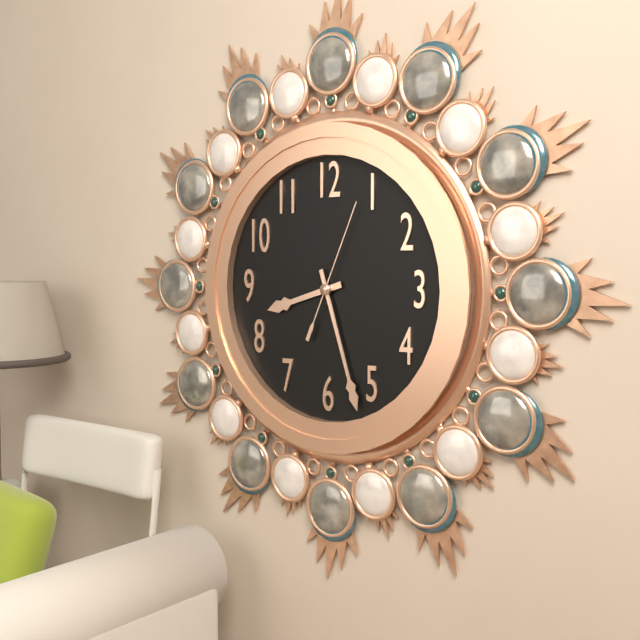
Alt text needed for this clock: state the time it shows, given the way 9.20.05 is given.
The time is 8.27.04
